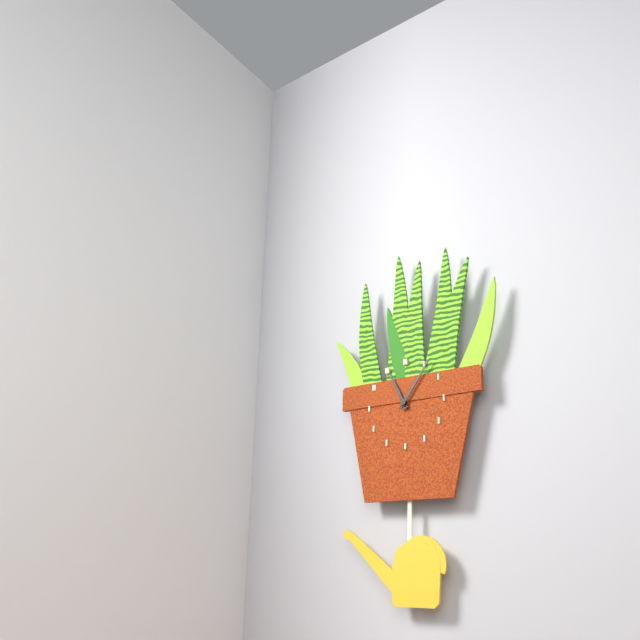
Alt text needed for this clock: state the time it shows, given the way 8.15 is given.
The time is 11.06
